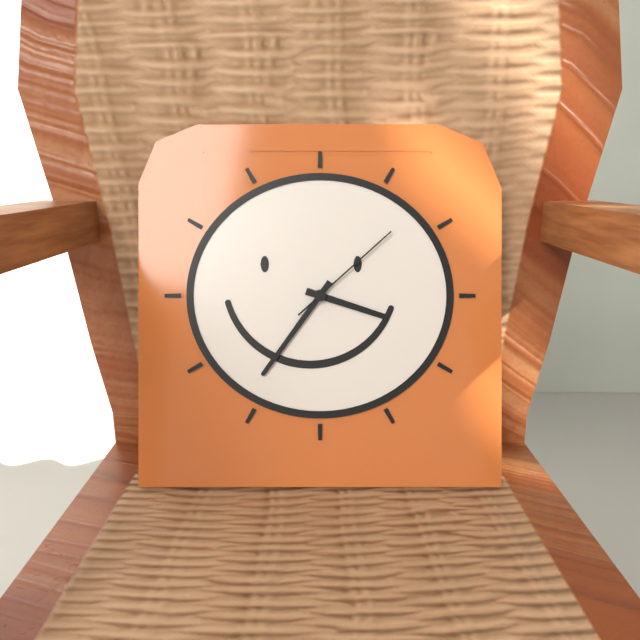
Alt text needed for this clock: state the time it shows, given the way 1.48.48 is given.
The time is 3.36.08
